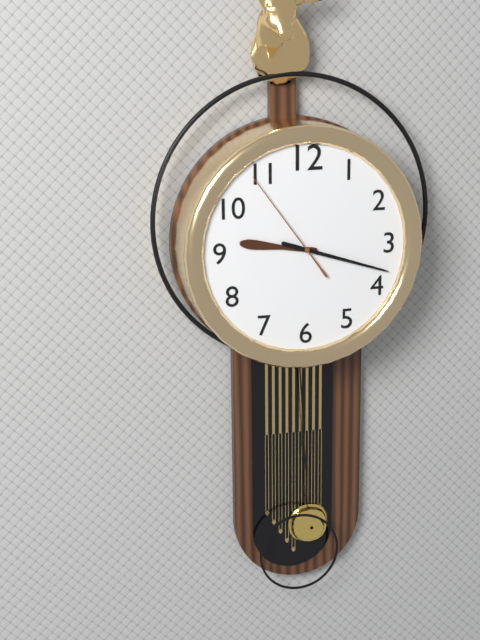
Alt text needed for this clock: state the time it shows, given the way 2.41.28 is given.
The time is 9.18.54
